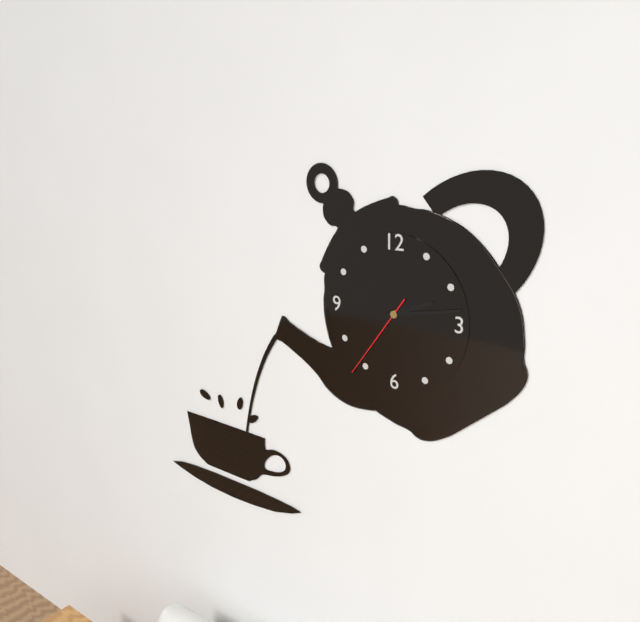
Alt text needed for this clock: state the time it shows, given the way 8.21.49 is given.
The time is 2.13.36
